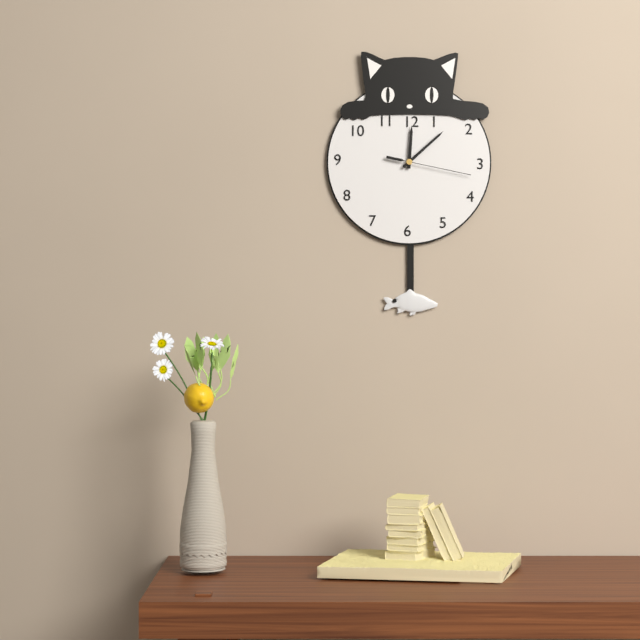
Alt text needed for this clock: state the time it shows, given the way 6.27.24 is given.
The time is 12.08.17
